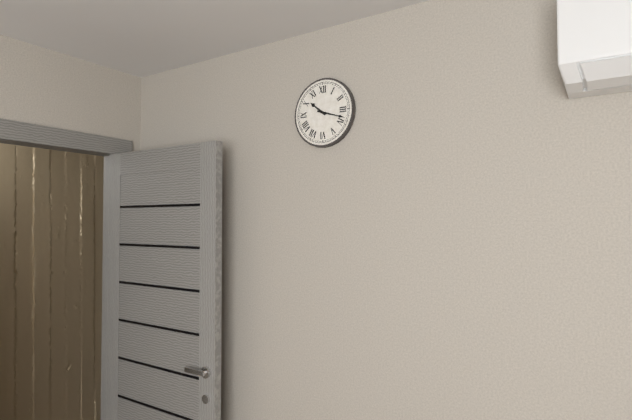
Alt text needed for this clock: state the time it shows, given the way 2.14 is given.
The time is 10.18
